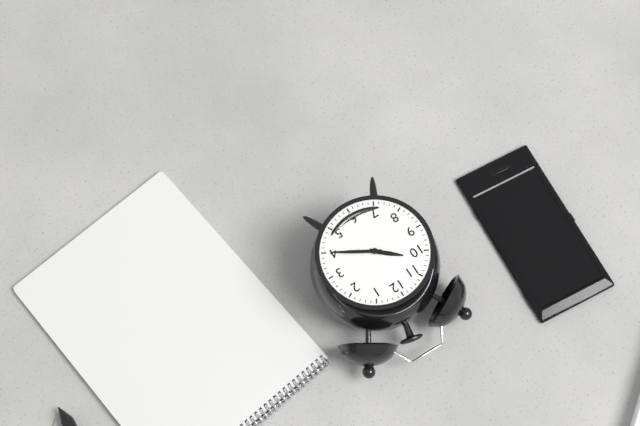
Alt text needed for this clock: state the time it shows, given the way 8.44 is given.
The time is 10.20
